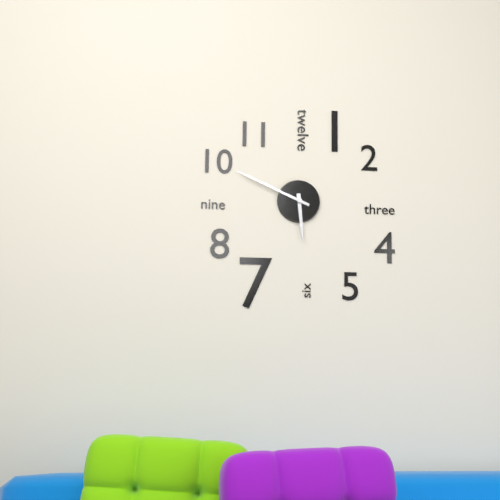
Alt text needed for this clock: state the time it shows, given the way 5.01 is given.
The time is 5.49
